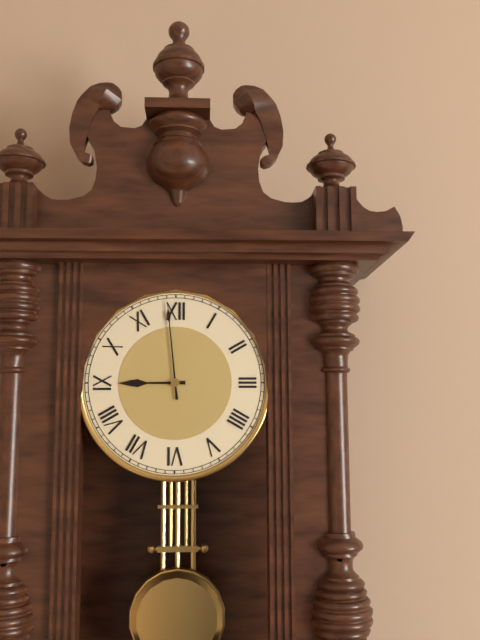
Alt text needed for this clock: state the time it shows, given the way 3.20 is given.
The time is 8.59
